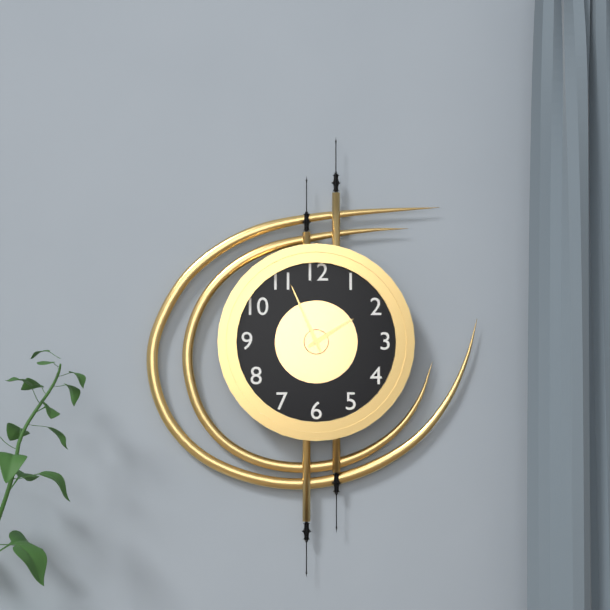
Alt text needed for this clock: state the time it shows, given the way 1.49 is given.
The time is 1.56
